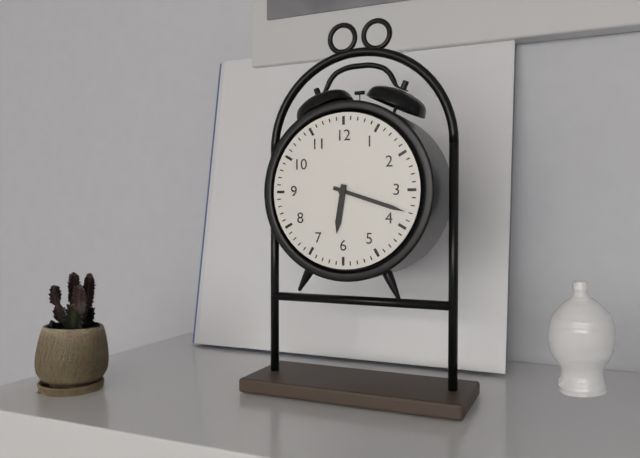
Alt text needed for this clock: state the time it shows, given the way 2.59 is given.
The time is 6.18
